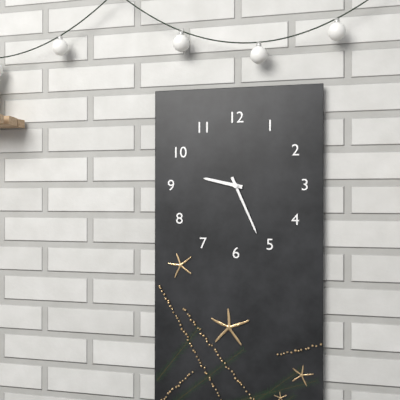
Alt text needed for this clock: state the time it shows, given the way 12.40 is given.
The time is 9.26
